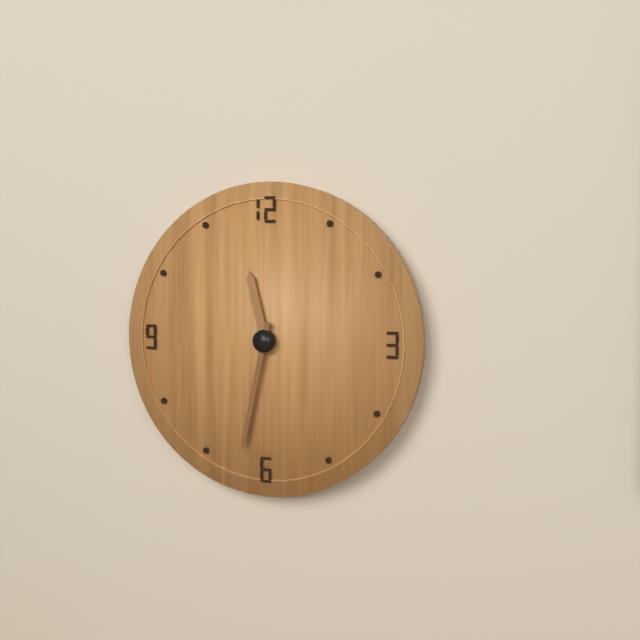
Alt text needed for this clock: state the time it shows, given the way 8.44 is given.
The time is 11.32
